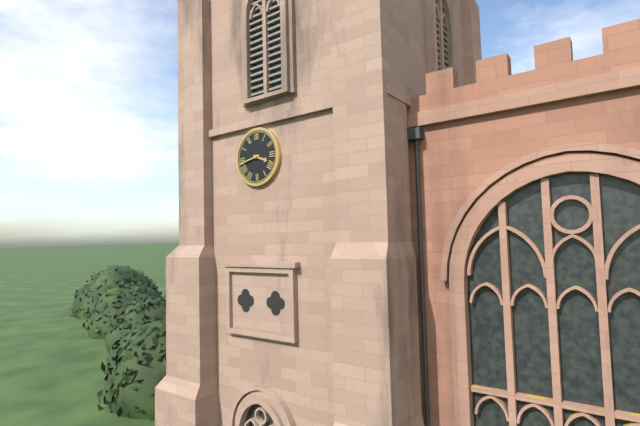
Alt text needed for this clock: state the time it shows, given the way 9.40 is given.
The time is 3.43
